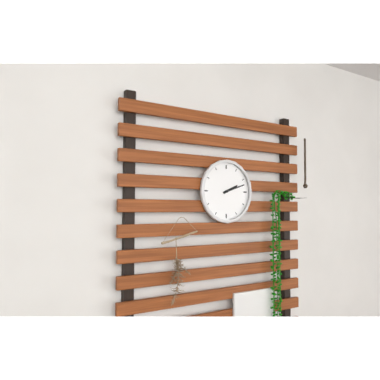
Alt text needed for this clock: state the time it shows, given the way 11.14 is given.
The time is 2.12
